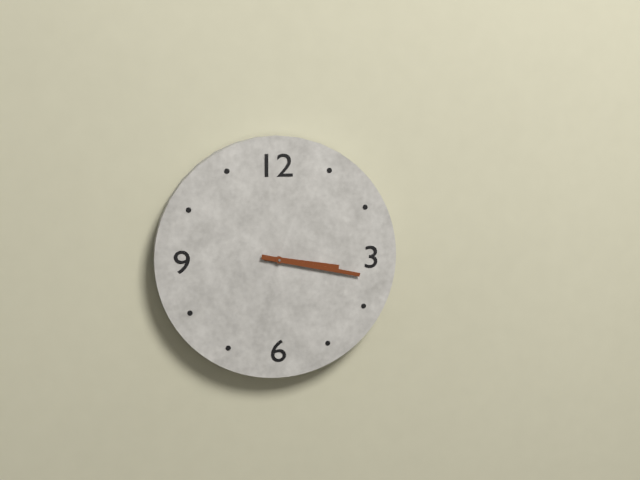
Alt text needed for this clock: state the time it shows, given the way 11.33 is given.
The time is 3.17
